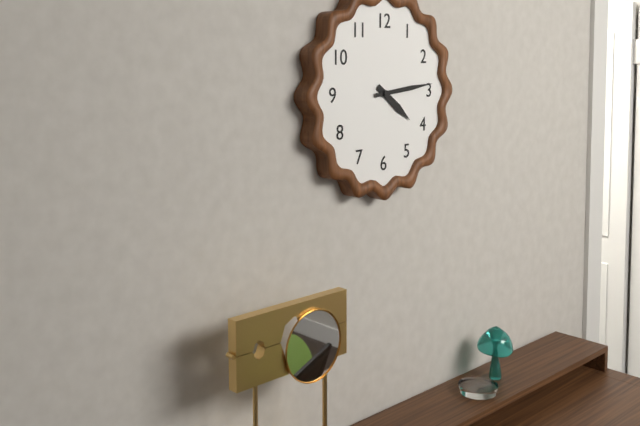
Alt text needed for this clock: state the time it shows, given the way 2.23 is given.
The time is 4.14
